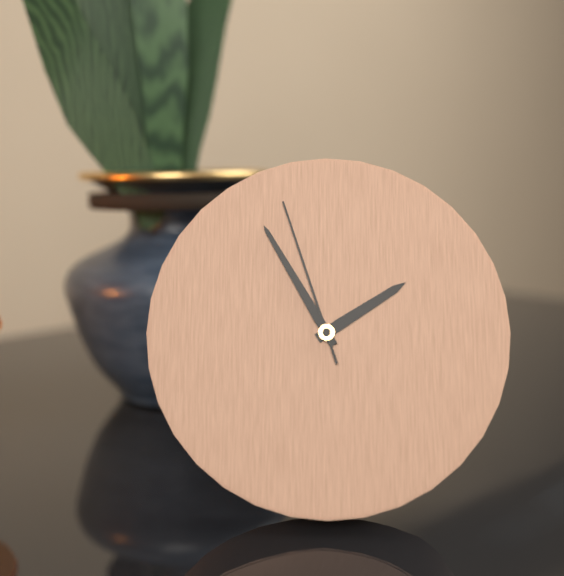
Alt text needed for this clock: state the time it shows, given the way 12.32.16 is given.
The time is 1.55.57
